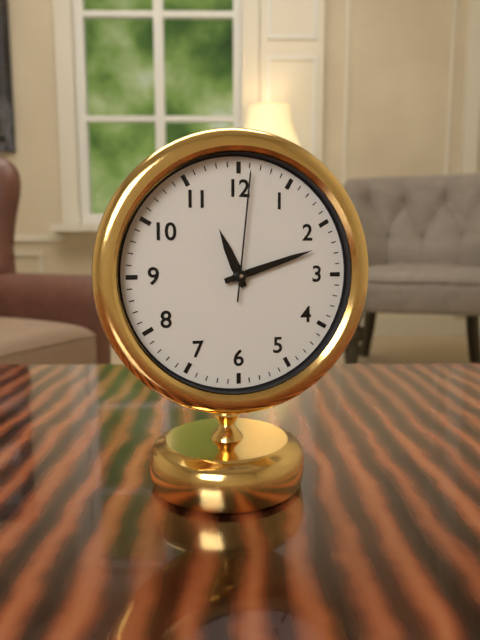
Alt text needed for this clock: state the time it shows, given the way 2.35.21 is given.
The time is 11.12.01
